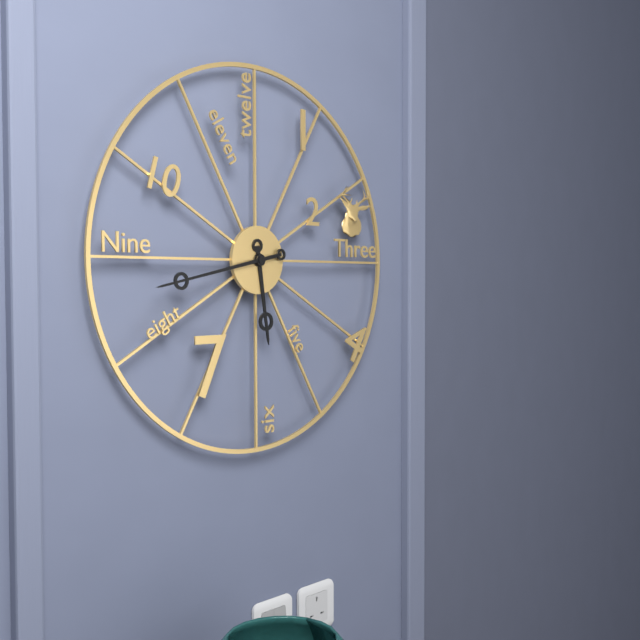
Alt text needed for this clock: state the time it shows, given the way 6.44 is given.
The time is 5.43
